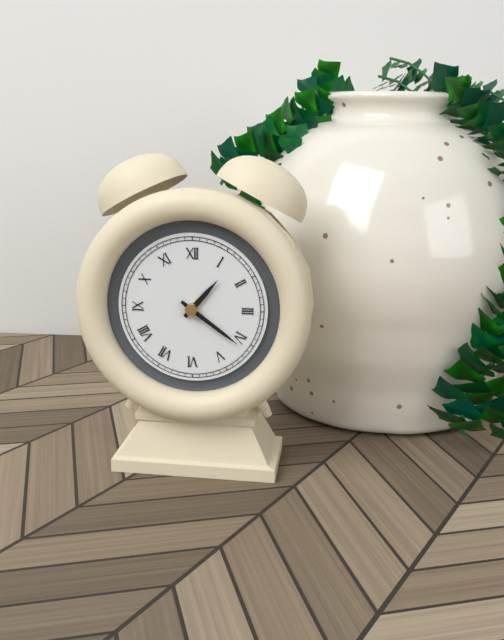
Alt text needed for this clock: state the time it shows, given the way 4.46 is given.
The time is 1.21
